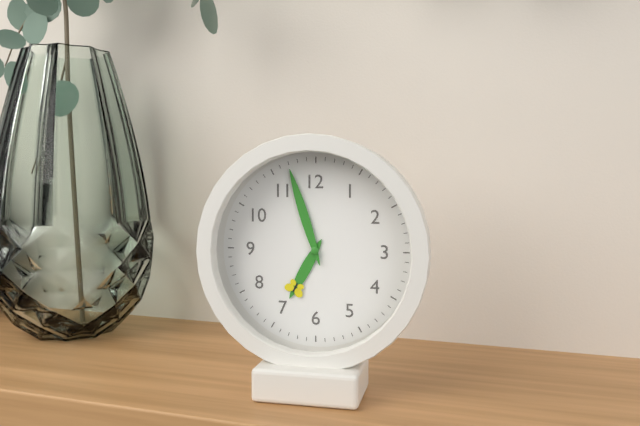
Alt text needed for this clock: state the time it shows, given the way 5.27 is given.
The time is 6.57
